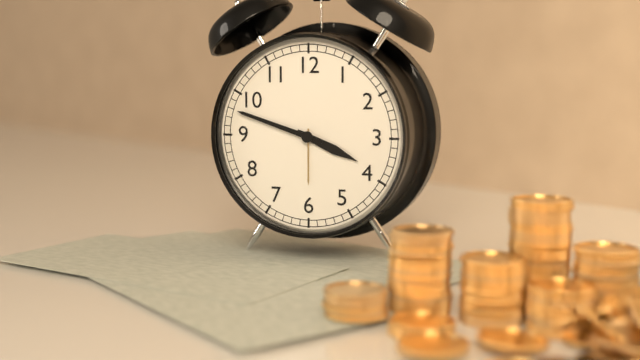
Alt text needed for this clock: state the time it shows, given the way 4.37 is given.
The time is 3.48
